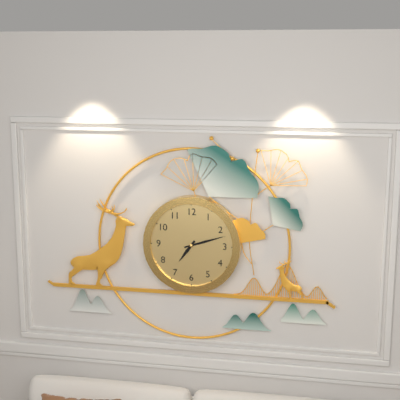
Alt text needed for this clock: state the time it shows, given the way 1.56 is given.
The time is 7.12
